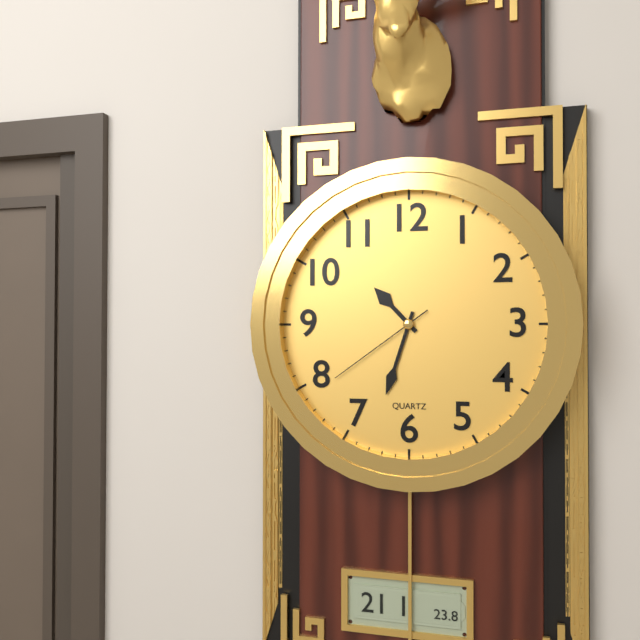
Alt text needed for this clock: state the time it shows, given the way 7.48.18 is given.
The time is 10.33.39
